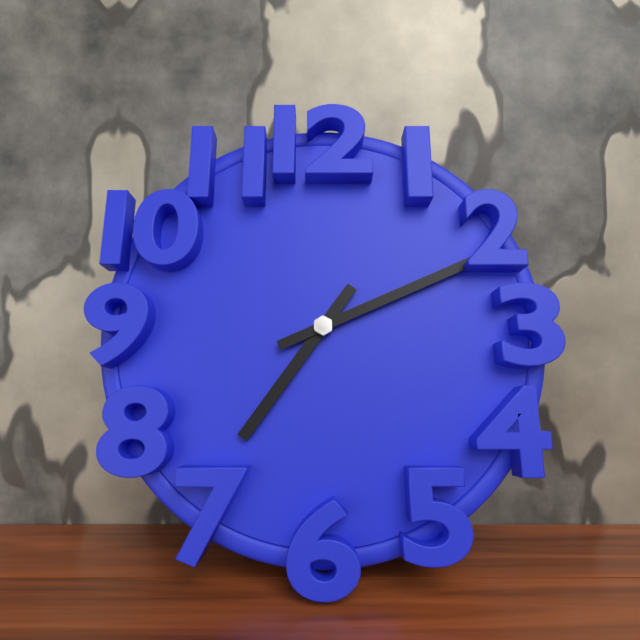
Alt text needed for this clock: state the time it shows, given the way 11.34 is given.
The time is 7.11
